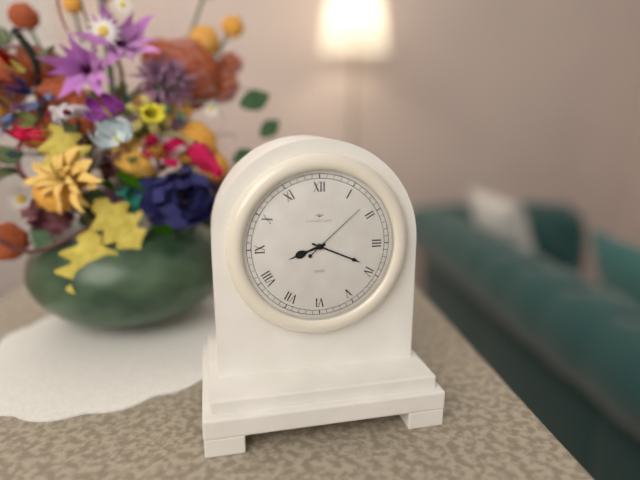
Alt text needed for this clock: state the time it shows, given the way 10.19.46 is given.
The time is 8.19.08
